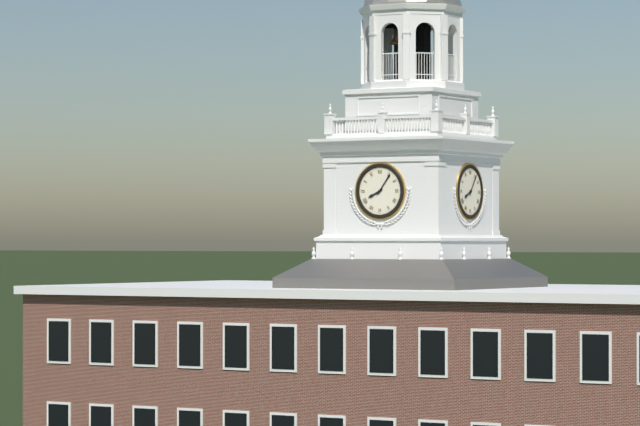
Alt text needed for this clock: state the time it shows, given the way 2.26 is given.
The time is 8.06
